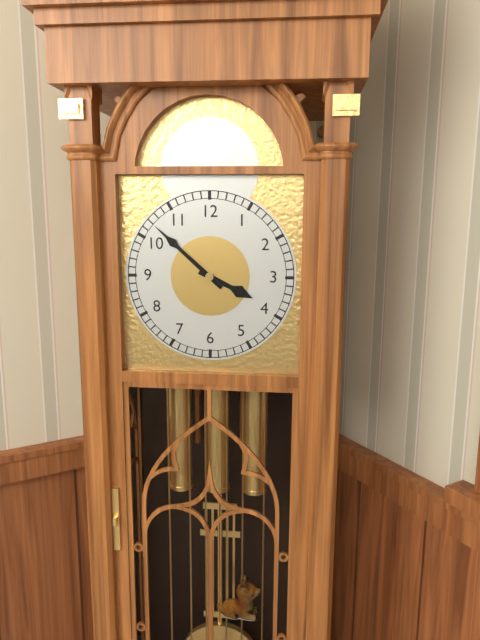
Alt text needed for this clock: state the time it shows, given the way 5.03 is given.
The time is 3.52
